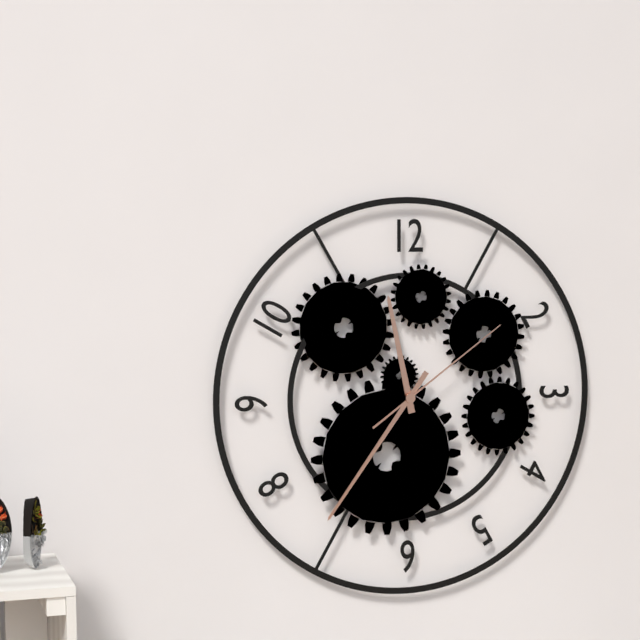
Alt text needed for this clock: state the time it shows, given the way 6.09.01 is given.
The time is 11.36.09
